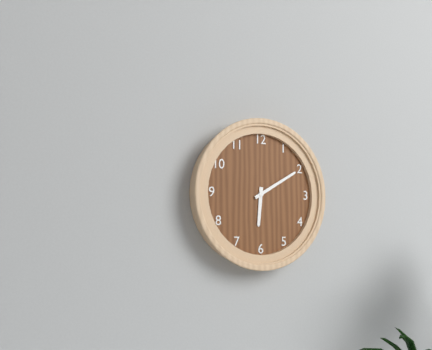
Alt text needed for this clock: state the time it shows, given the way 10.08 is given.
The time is 6.10
